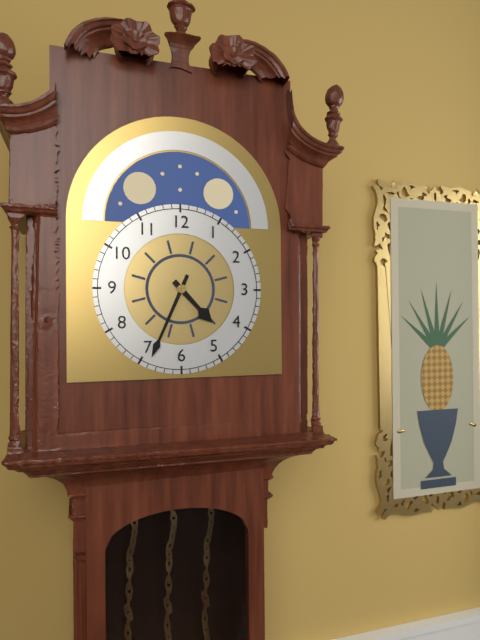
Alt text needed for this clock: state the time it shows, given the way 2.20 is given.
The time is 4.34
